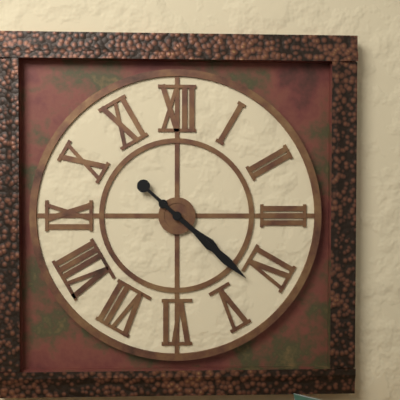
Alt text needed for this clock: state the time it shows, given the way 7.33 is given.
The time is 4.22
